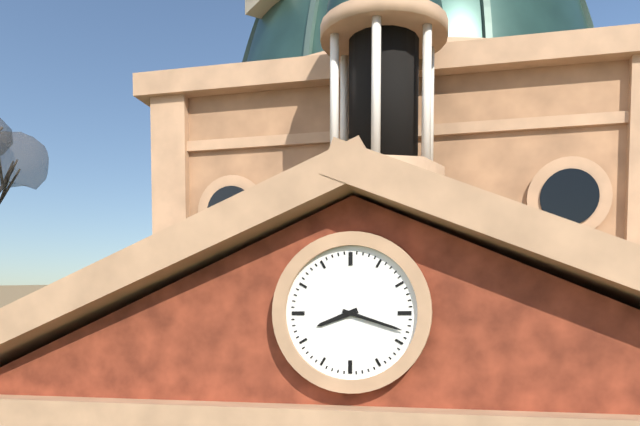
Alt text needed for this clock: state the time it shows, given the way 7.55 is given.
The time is 8.18
